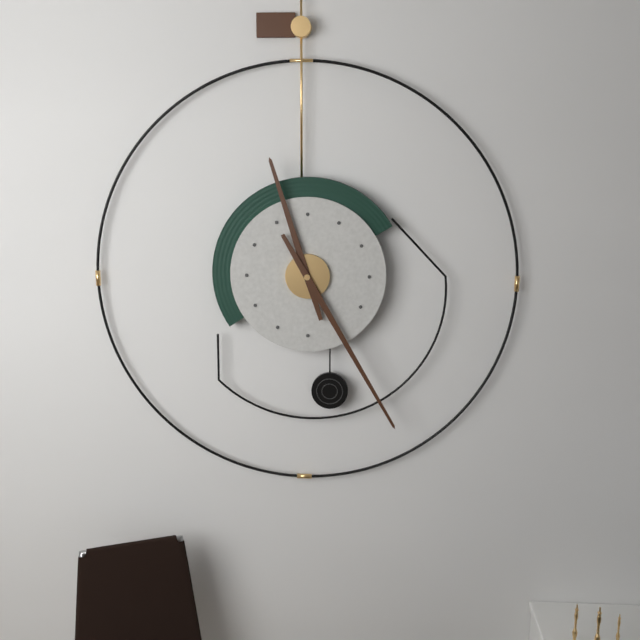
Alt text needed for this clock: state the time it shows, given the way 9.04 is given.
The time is 11.25
